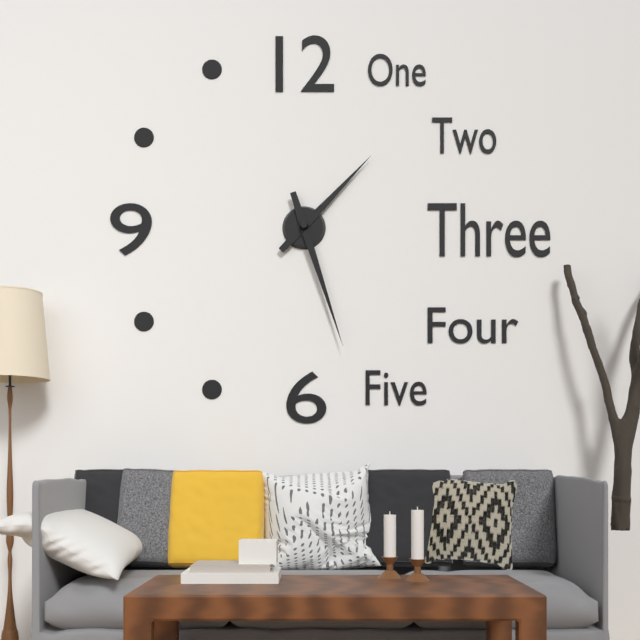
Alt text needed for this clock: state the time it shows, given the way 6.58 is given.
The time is 1.27
